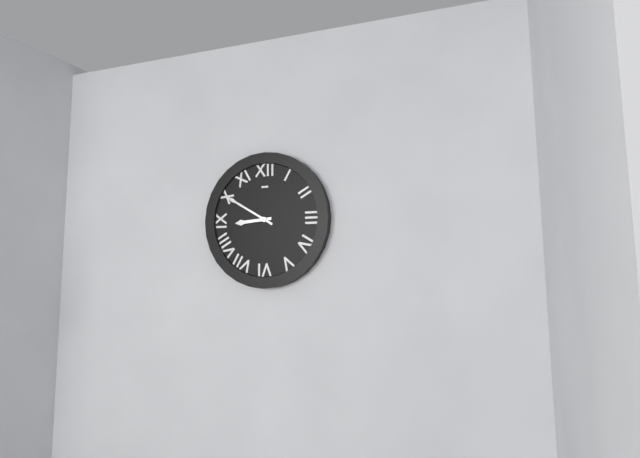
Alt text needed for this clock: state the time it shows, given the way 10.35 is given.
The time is 8.50
